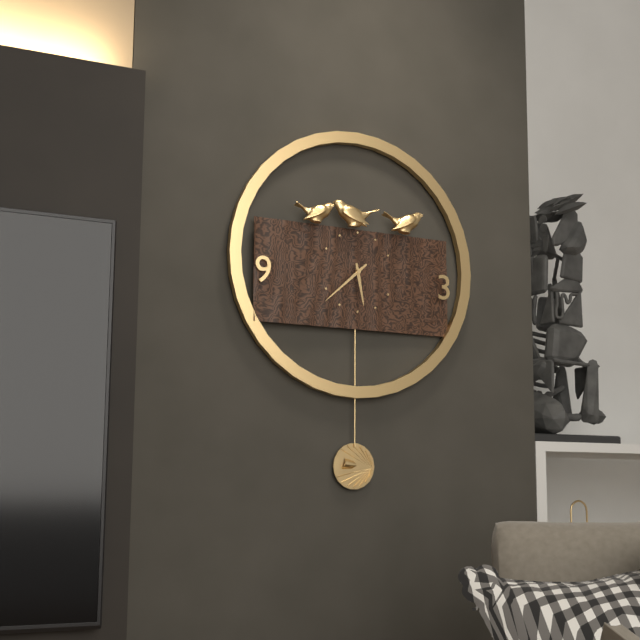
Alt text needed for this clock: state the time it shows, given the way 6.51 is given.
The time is 5.38
